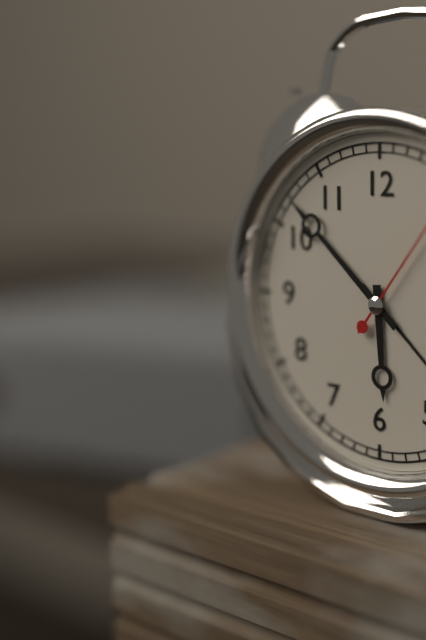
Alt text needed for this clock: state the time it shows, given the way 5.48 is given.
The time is 5.52
